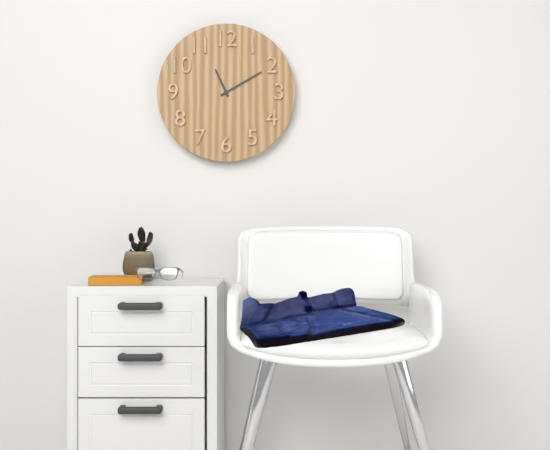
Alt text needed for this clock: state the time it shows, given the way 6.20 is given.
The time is 11.10
